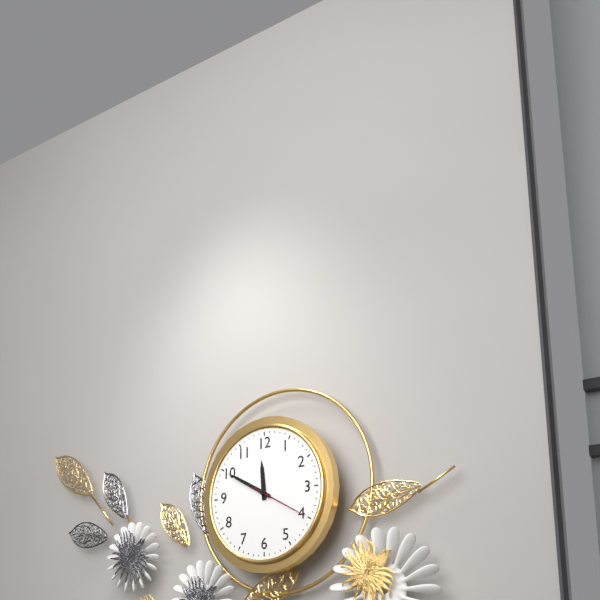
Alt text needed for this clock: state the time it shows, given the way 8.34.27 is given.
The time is 11.50.20
